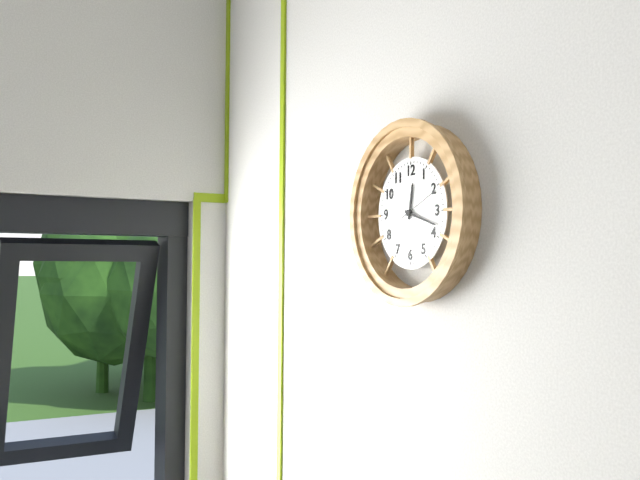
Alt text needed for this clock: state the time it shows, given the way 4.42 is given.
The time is 12.18
